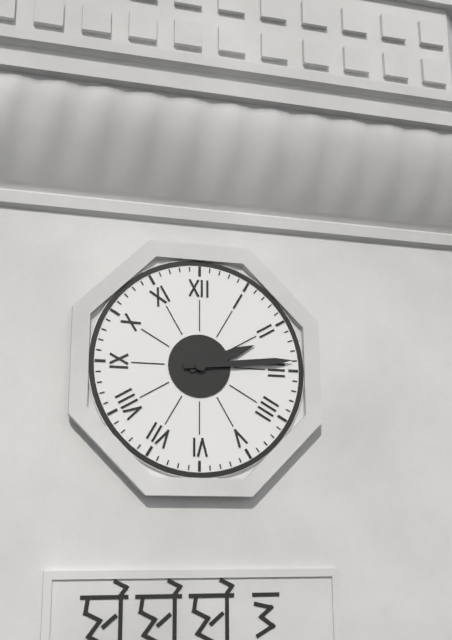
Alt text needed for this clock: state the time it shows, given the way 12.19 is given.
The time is 2.14
